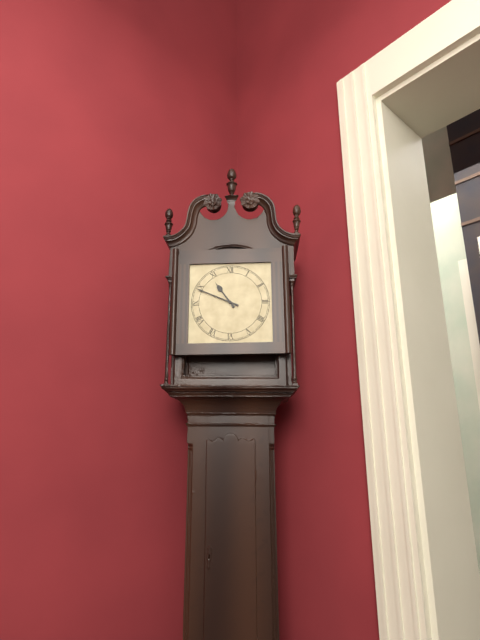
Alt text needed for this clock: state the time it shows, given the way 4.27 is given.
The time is 10.49
